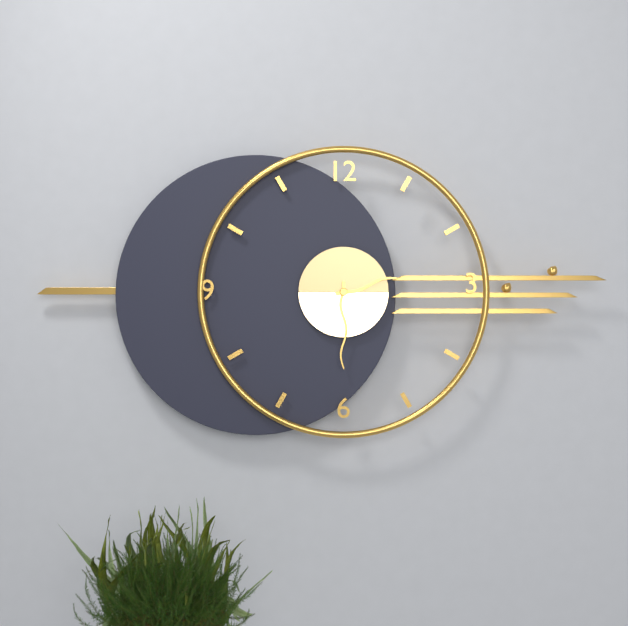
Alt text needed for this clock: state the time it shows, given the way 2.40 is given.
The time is 2.30
